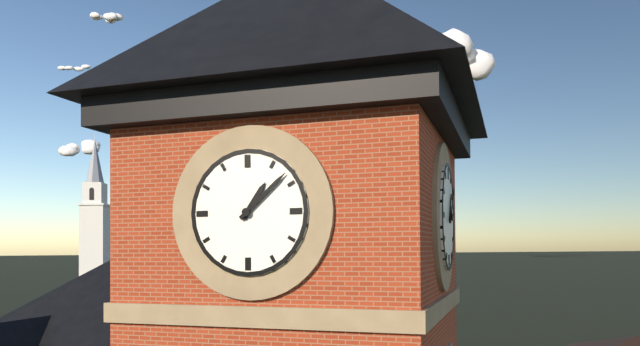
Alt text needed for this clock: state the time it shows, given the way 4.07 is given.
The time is 1.08
